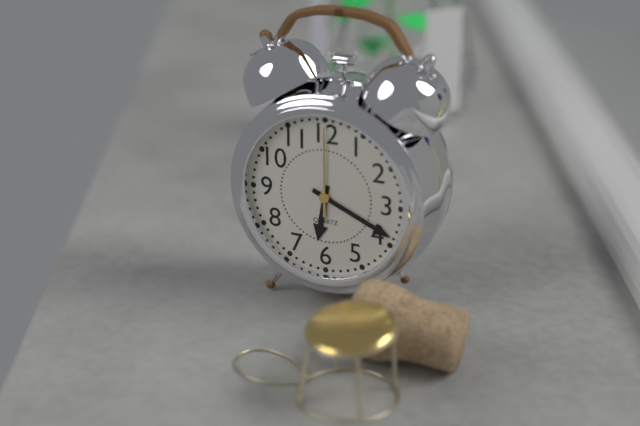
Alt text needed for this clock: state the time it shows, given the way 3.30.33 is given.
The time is 6.19.00
